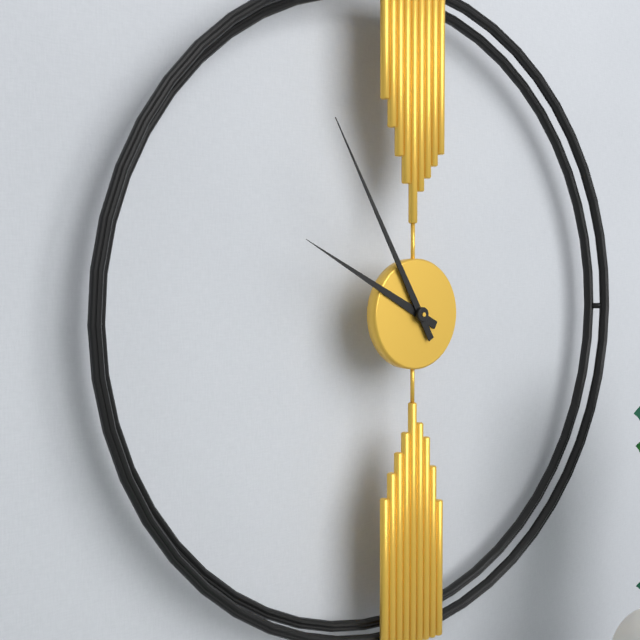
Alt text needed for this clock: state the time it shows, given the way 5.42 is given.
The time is 9.55
